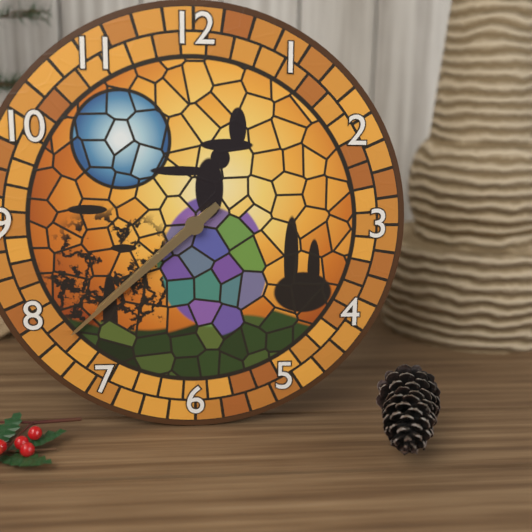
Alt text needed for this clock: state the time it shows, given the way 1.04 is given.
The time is 7.38
